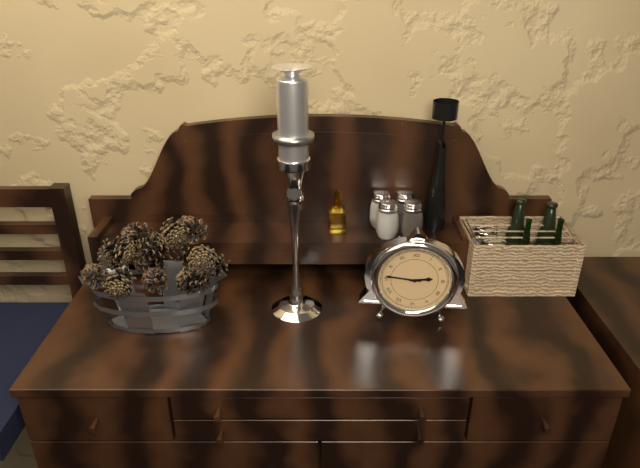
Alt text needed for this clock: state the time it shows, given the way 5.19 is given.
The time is 2.46
